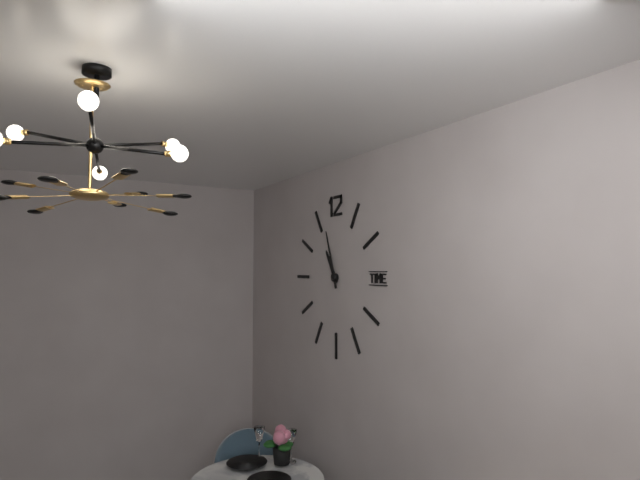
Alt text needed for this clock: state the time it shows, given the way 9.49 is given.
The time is 10.57
